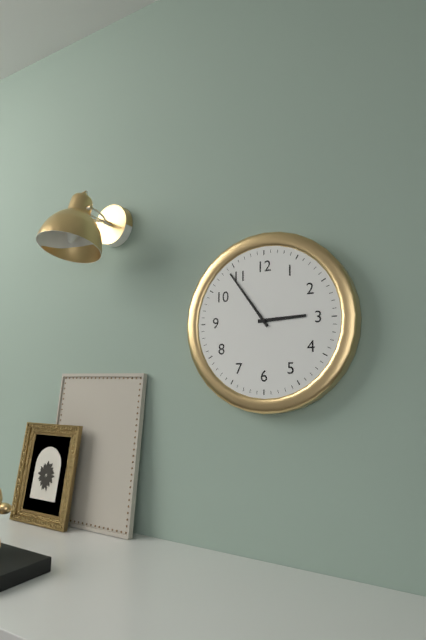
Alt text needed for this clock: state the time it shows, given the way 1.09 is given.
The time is 2.54
